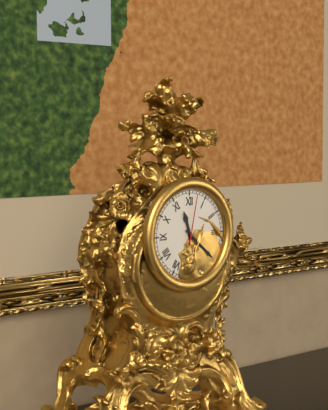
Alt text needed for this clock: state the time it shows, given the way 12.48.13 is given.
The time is 11.22.02
